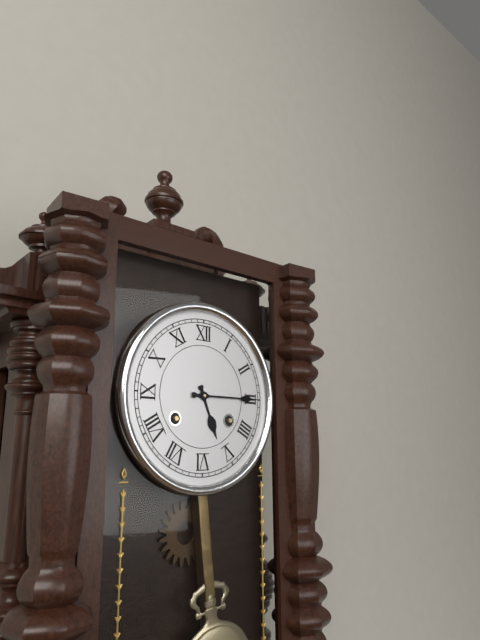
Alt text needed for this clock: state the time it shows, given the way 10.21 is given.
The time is 5.15
